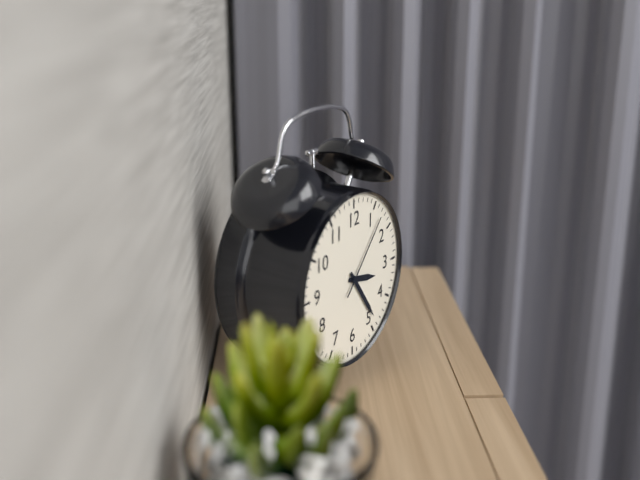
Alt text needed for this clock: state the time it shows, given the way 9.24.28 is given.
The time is 3.24.07
